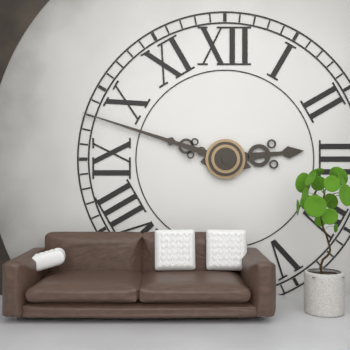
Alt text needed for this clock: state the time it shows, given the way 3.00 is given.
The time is 2.48
